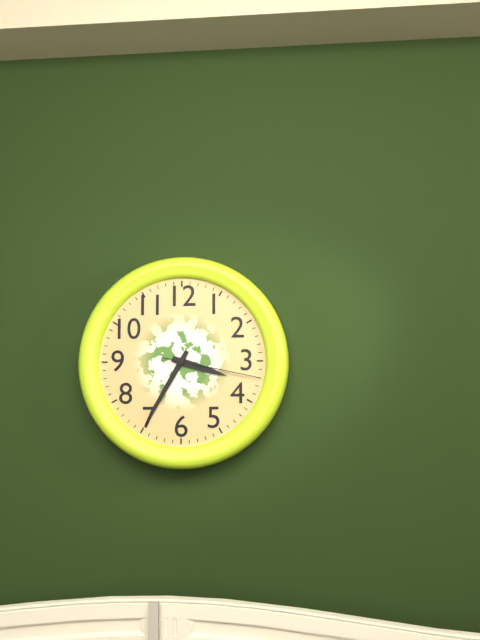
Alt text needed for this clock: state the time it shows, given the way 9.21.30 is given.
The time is 3.35.17
